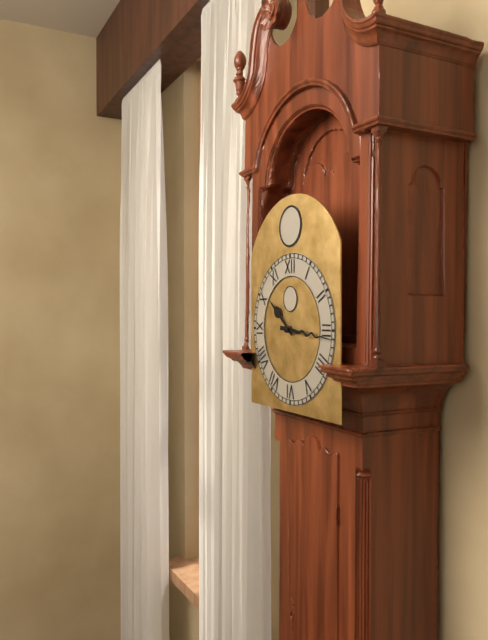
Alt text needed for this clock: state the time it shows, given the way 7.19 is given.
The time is 10.16
